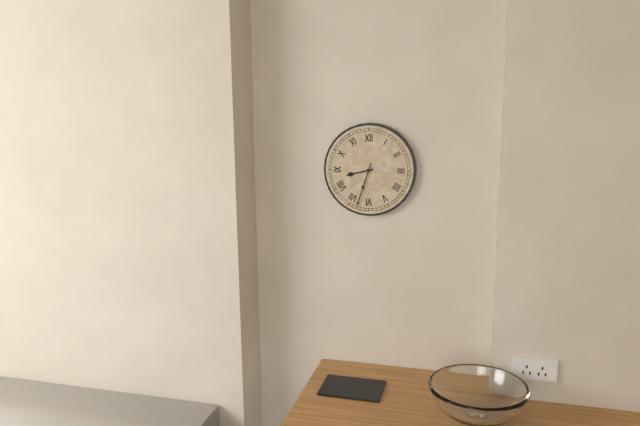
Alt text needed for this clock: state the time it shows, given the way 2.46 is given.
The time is 8.33
